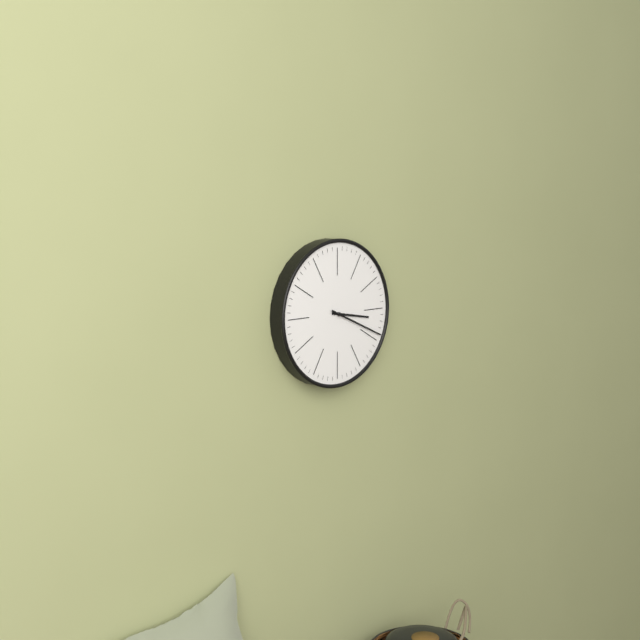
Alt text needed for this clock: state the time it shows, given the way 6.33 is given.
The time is 3.19
